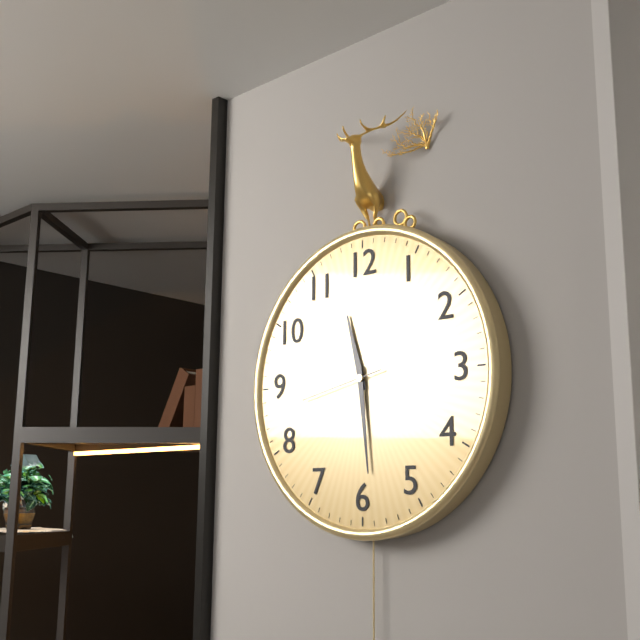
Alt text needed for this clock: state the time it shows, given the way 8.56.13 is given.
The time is 11.29.43
